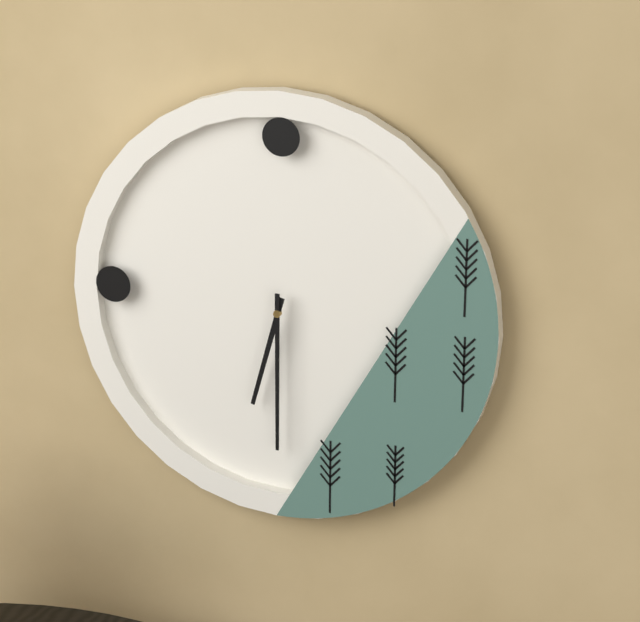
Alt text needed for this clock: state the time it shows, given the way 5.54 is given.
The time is 6.30
